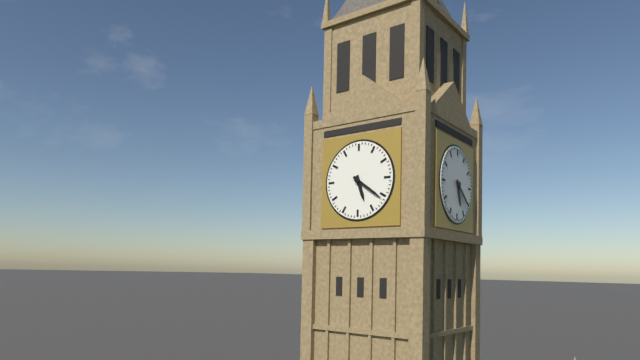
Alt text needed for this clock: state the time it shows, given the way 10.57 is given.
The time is 5.21
